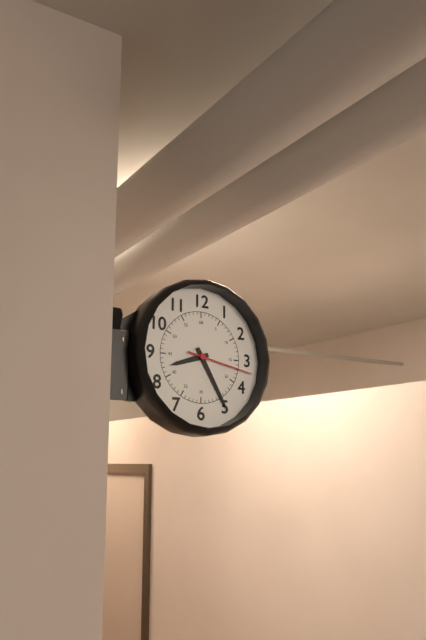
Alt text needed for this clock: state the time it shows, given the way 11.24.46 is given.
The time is 8.25.17
